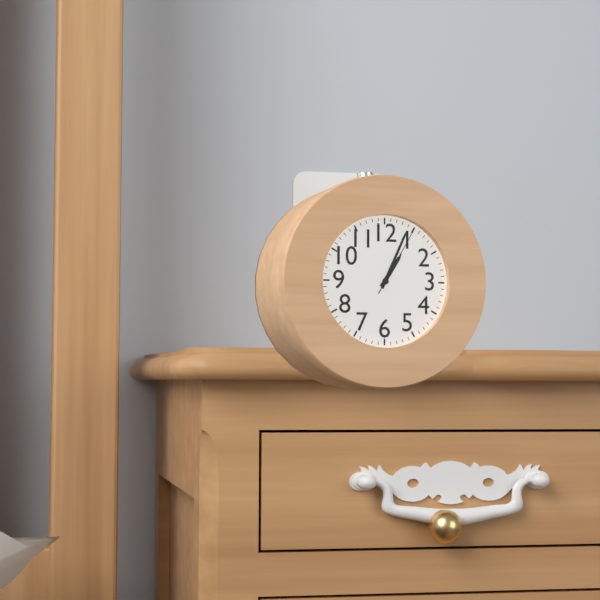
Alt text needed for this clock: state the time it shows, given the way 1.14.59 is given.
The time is 1.04.05
